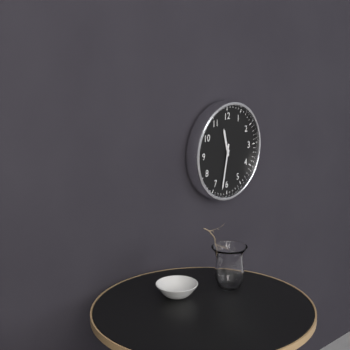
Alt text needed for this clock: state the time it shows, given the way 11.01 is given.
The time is 11.32
